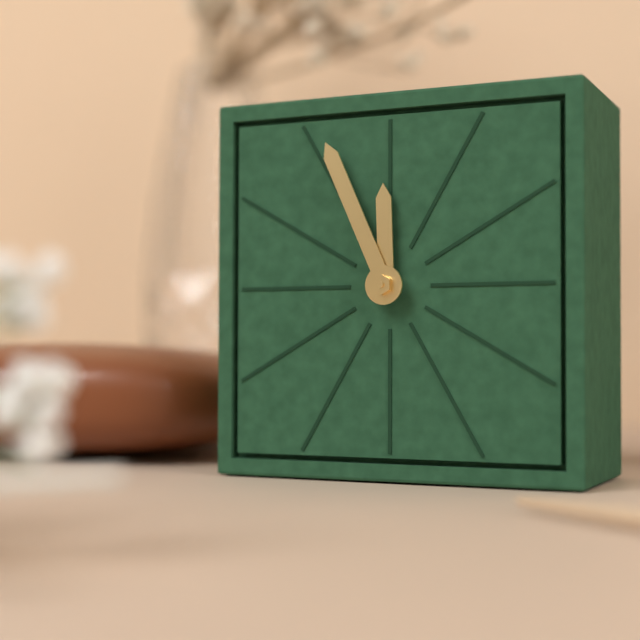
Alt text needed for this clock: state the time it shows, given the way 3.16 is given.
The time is 11.56
